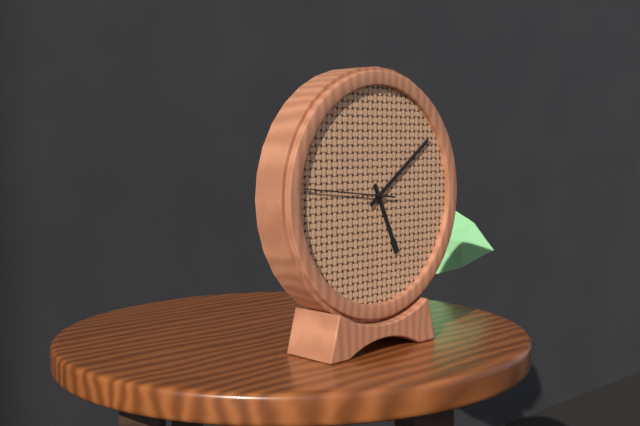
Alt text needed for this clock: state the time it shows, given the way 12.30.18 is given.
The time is 5.09.46
